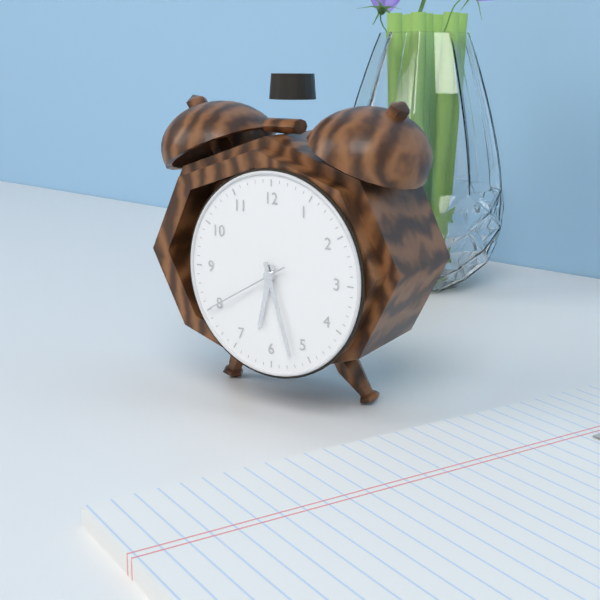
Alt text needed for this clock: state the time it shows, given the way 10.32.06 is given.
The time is 6.27.40
